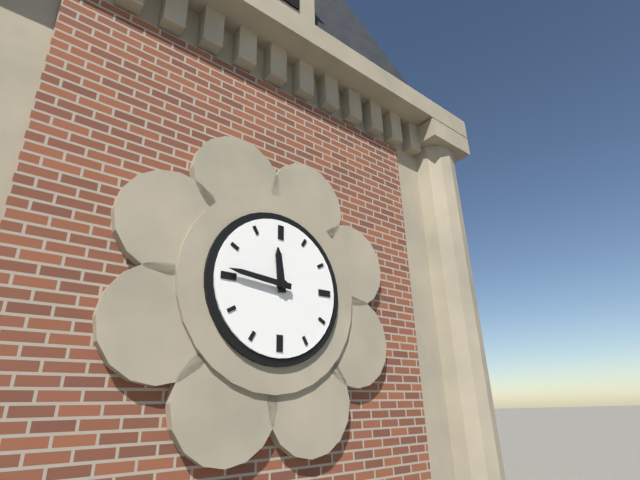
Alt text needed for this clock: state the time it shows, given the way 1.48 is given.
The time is 11.46
